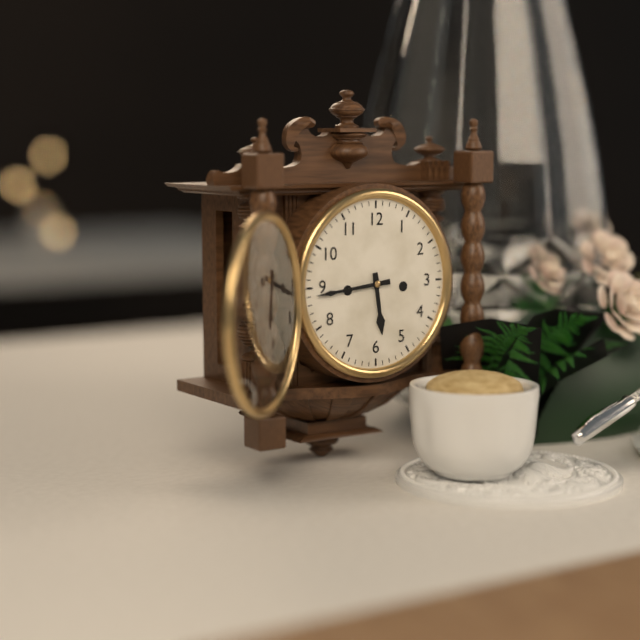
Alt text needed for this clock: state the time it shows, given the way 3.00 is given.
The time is 5.44
